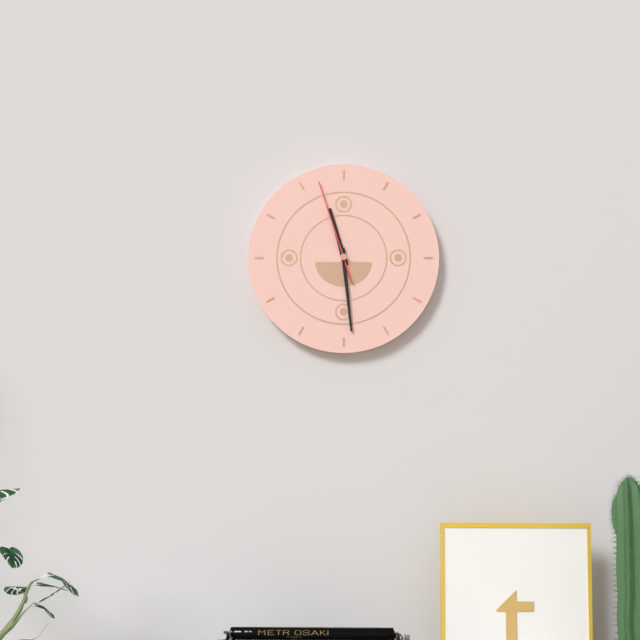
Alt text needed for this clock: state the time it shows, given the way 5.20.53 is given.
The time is 11.29.57
